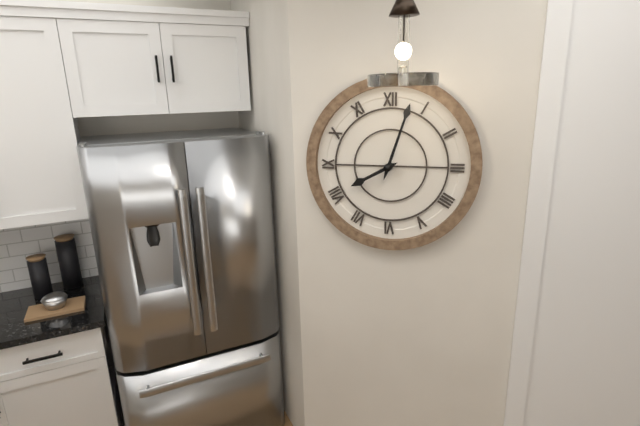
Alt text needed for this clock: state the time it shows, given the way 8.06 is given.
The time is 8.03
